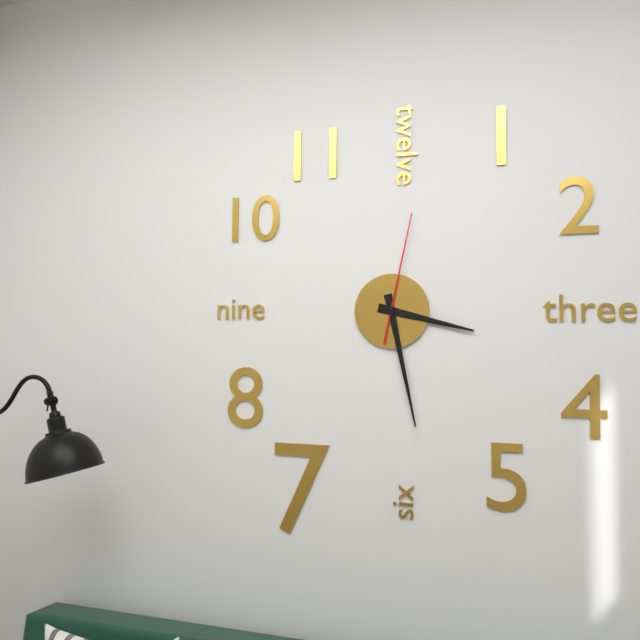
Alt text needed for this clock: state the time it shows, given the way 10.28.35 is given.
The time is 3.28.02
